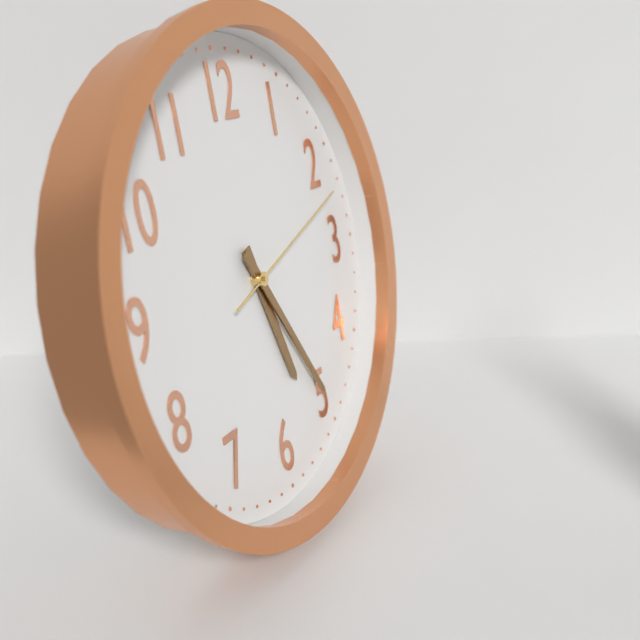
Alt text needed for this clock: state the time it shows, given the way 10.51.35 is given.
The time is 5.25.12
